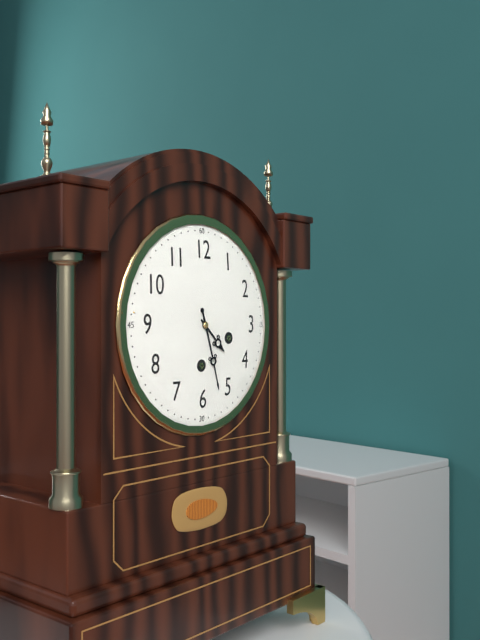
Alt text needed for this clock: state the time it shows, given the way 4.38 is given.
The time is 4.27
